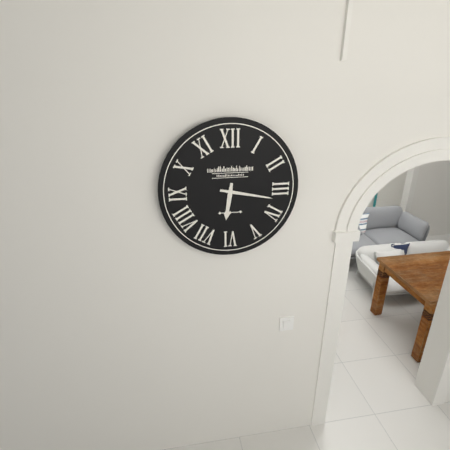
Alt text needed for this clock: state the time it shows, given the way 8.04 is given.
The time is 6.17
